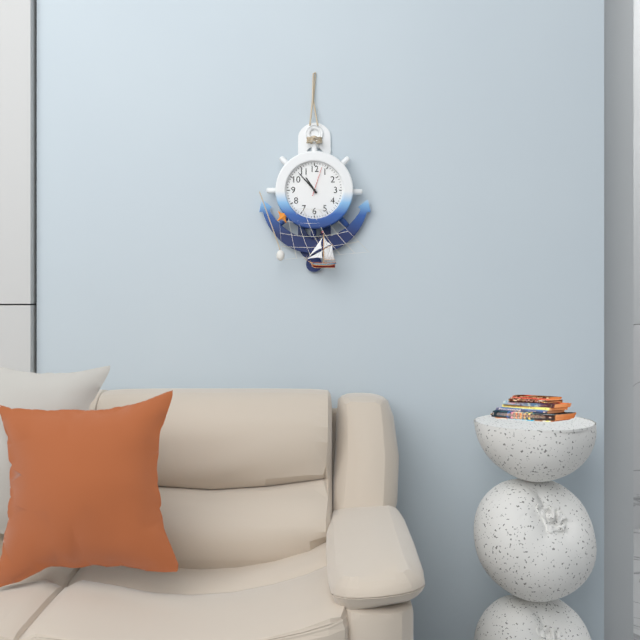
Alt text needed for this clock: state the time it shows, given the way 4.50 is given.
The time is 10.53
